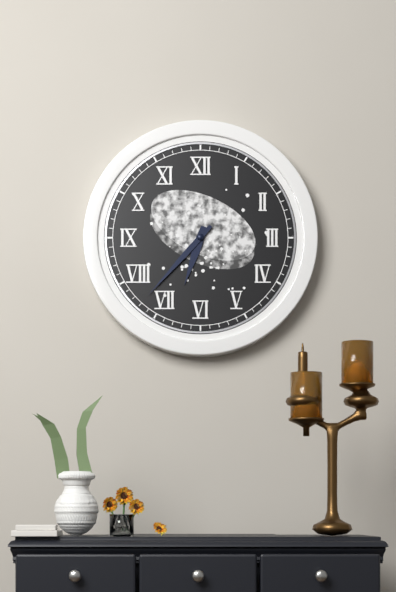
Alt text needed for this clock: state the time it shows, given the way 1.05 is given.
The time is 6.37
